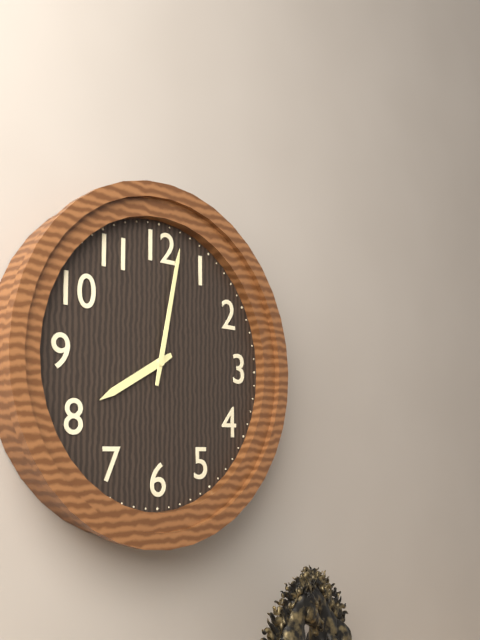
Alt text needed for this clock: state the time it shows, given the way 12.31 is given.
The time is 8.02
